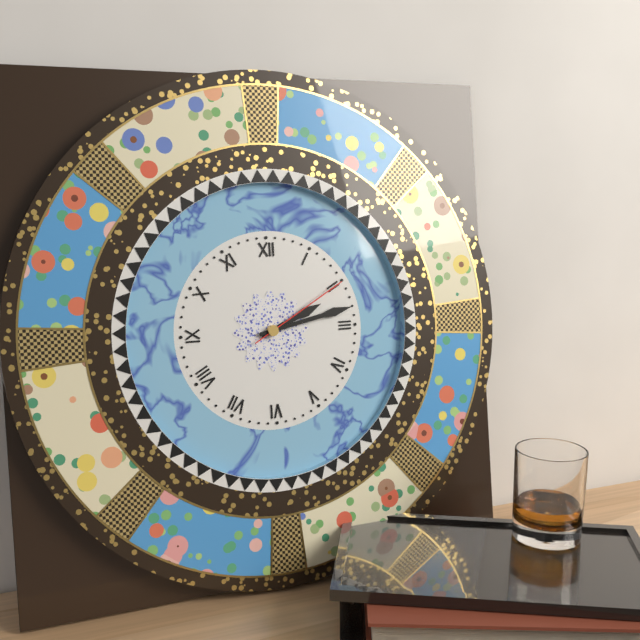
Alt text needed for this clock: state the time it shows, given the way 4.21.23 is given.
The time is 2.13.10
